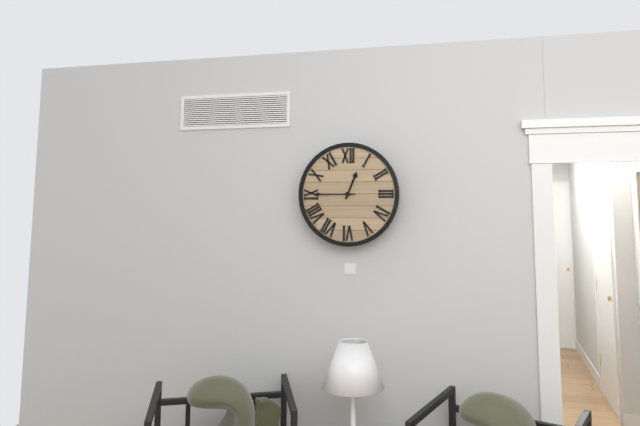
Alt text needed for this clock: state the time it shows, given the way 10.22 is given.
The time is 12.45
